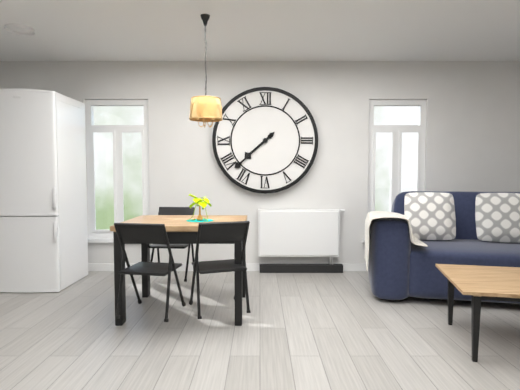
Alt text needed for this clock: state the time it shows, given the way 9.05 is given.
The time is 7.38
